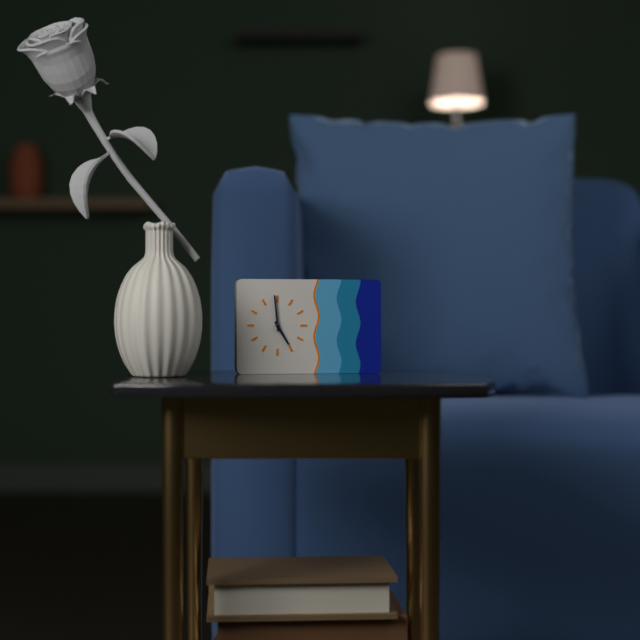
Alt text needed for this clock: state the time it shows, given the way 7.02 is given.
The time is 4.59
